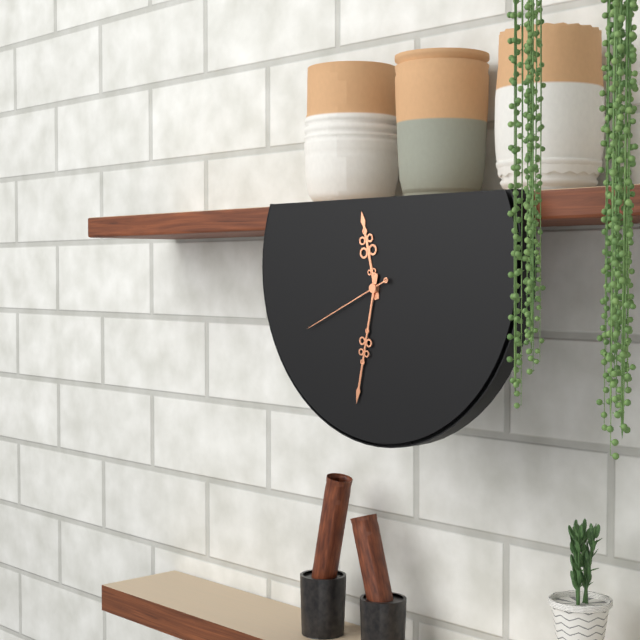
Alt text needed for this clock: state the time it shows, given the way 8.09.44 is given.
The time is 11.32.41
